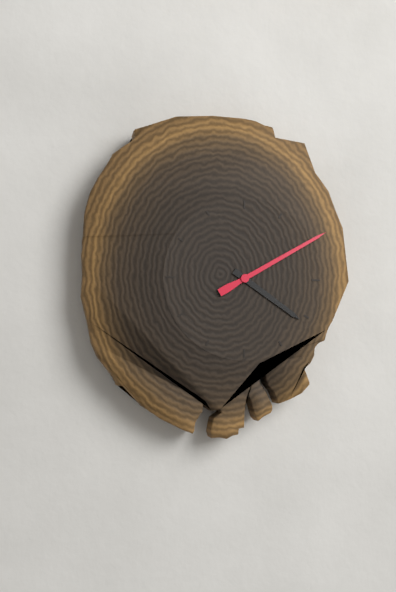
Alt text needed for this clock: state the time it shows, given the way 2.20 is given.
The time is 4.10
